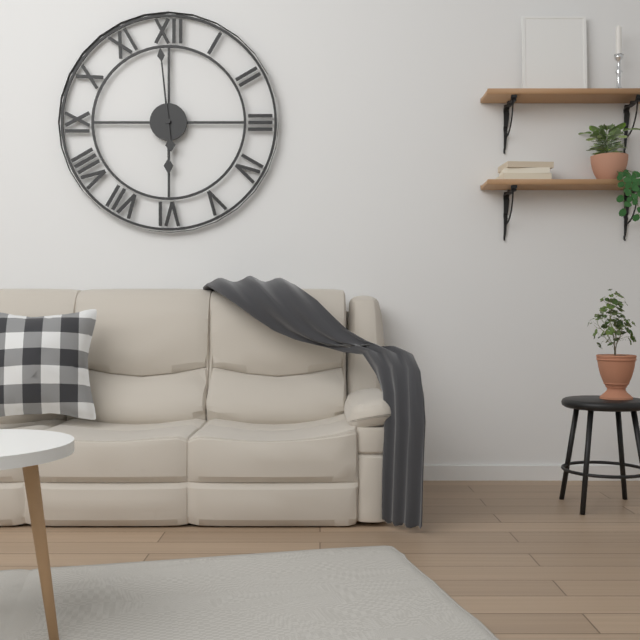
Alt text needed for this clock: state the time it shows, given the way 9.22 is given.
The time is 5.59
